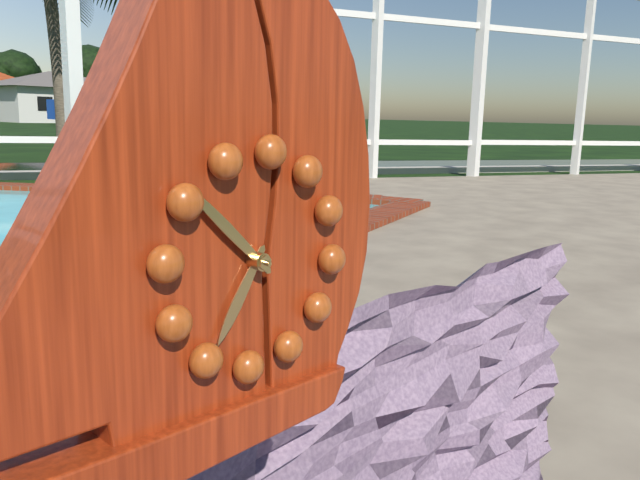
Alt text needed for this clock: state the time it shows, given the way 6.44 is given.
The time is 6.51
